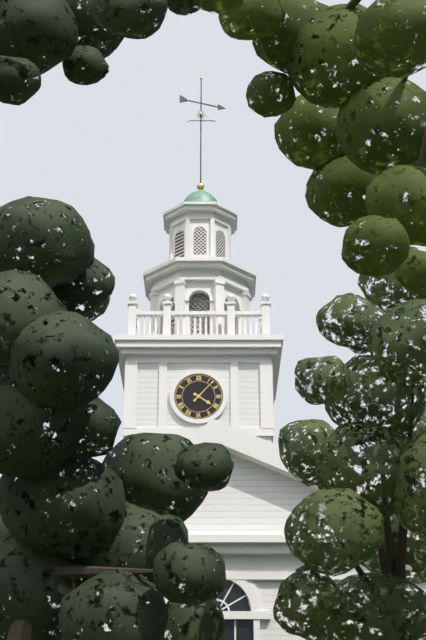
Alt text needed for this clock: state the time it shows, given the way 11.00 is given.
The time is 4.07
